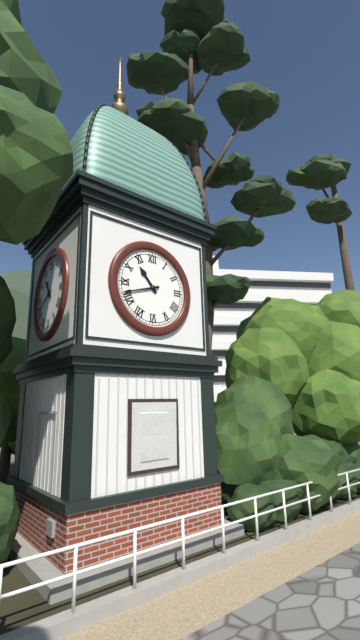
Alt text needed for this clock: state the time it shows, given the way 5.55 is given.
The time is 10.42
